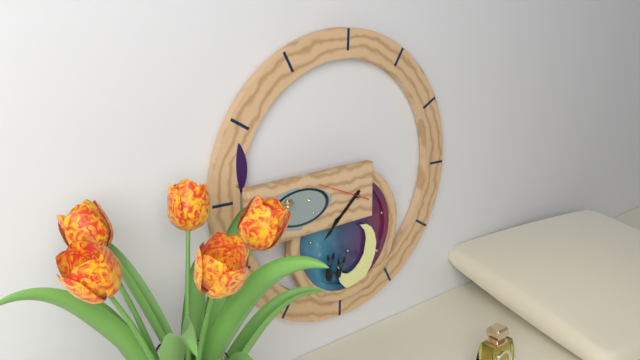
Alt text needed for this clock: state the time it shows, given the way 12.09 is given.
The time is 7.38
